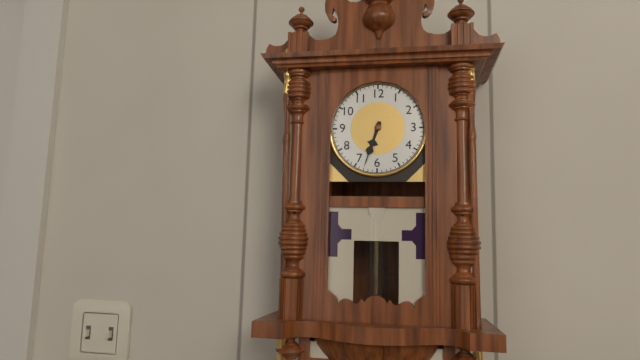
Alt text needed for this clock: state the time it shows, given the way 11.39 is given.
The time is 6.33
